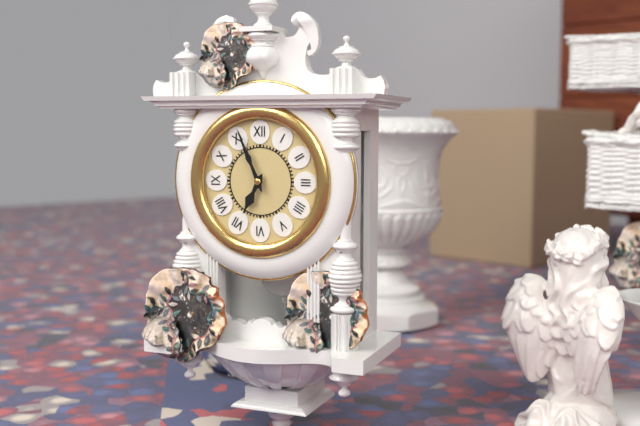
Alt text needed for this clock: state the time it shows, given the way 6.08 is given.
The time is 6.56
